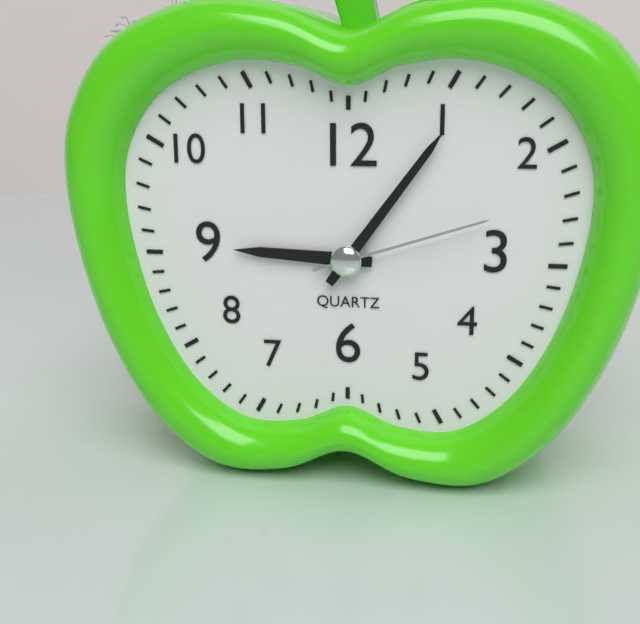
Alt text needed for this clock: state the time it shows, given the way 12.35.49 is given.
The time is 9.06.12
